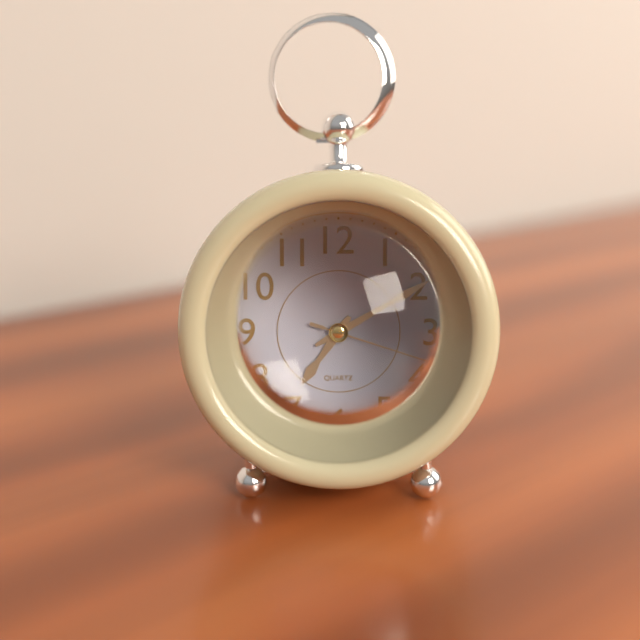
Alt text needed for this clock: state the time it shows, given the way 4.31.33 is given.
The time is 7.10.18
